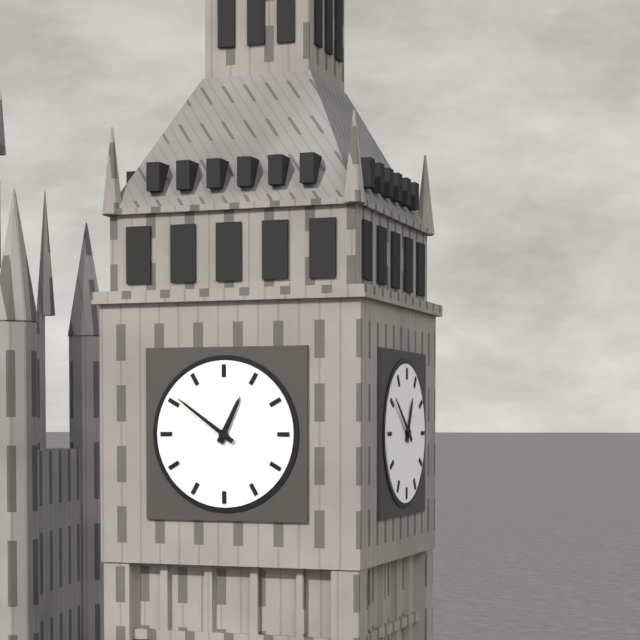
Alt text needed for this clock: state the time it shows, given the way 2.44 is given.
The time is 12.51
